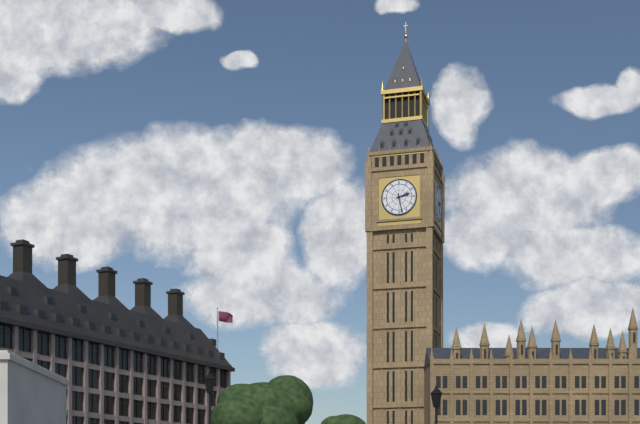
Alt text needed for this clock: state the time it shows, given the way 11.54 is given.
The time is 2.28
